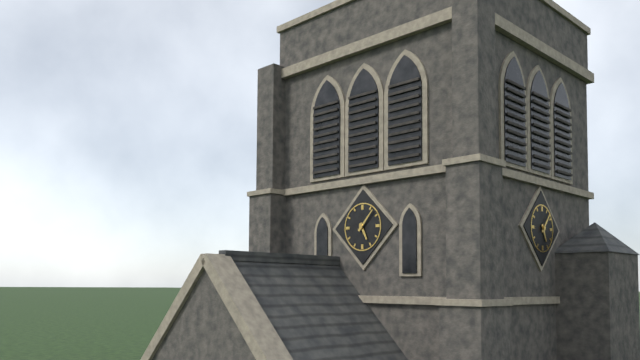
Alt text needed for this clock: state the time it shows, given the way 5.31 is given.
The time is 5.07
